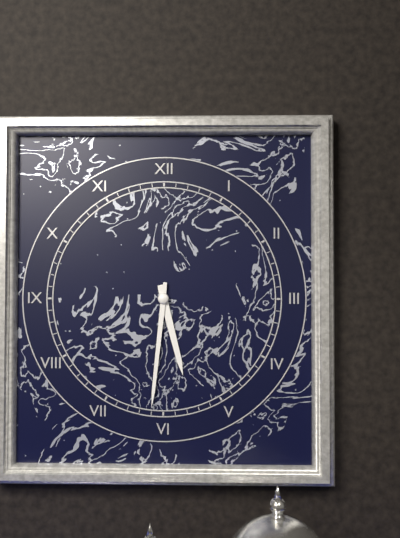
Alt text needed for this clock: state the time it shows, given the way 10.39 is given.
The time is 5.31
